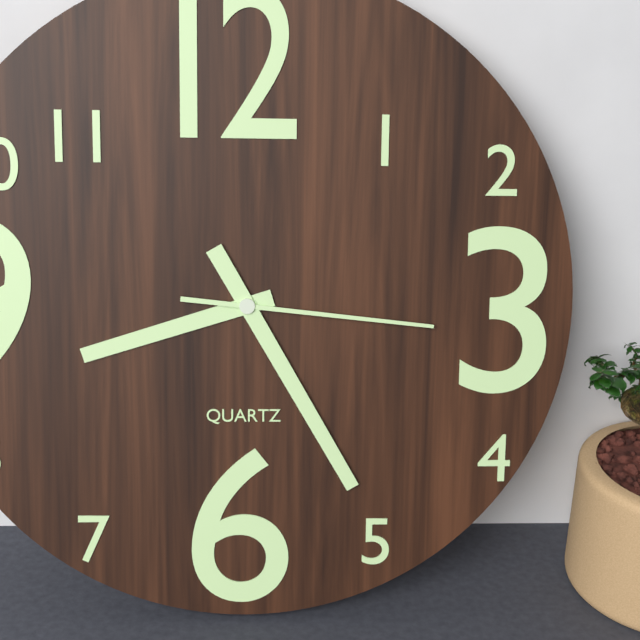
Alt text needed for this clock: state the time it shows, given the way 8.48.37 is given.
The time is 8.25.16
